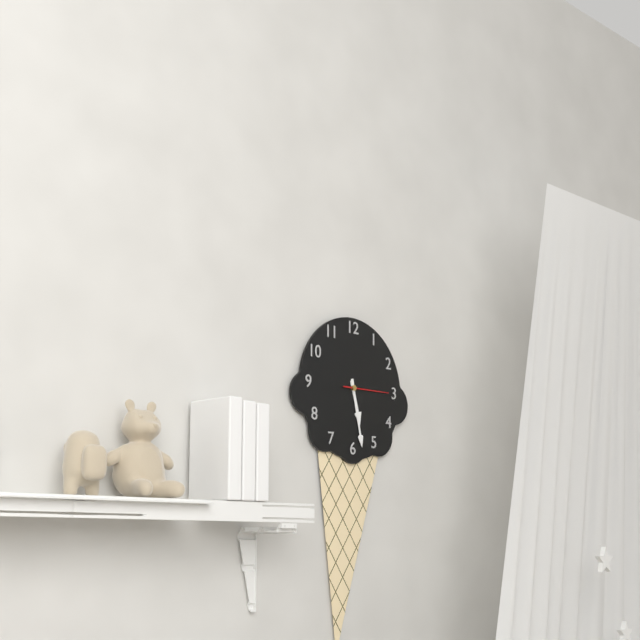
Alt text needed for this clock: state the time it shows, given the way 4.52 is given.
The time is 5.28
